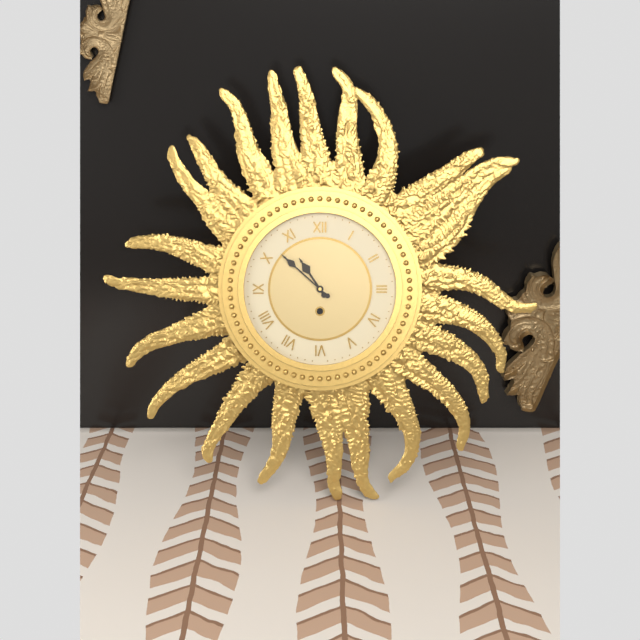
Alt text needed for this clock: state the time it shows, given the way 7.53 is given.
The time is 10.52
